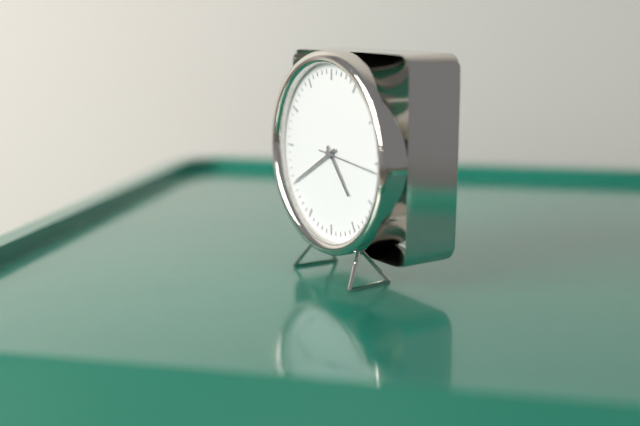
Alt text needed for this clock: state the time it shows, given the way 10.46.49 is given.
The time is 4.40.16
